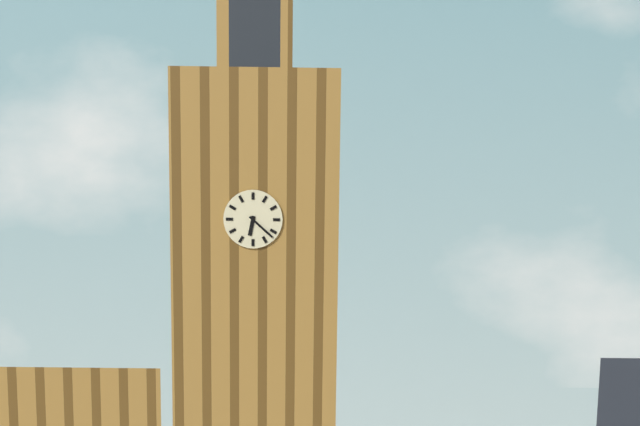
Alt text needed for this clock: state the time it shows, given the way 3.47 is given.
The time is 6.22
